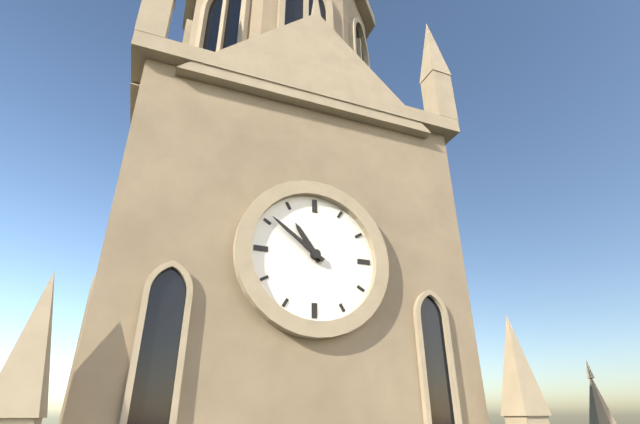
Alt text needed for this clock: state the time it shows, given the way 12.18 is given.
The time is 10.51
